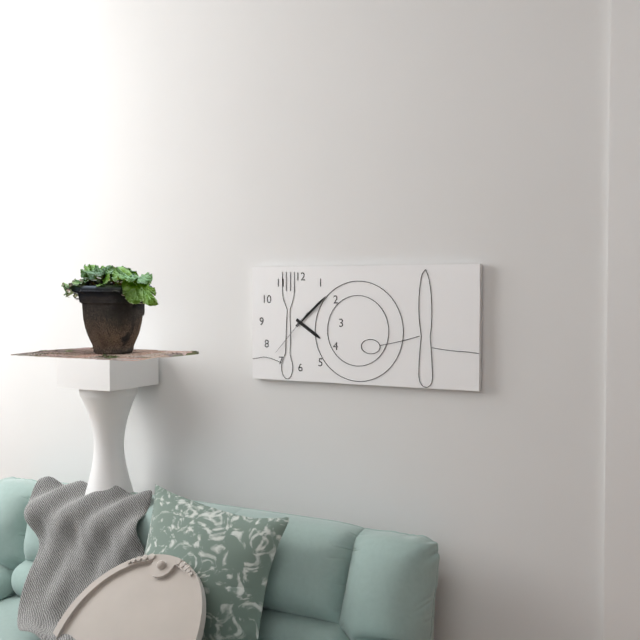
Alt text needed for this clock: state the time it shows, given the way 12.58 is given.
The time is 4.08
